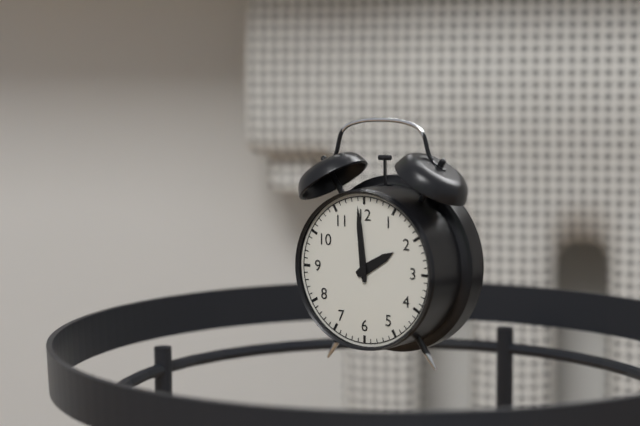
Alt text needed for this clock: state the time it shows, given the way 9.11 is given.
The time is 1.59
